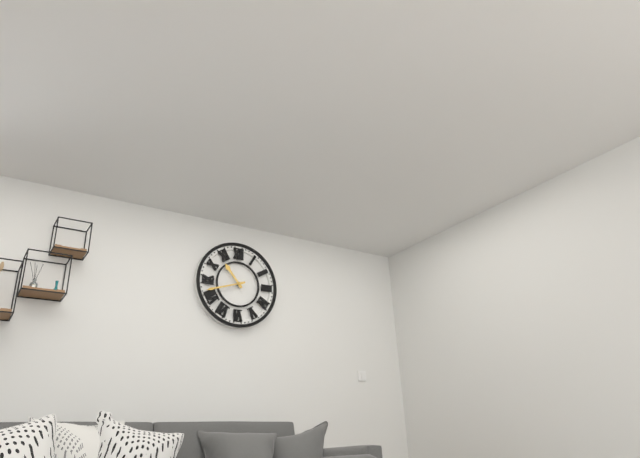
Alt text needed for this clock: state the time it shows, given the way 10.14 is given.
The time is 10.42
